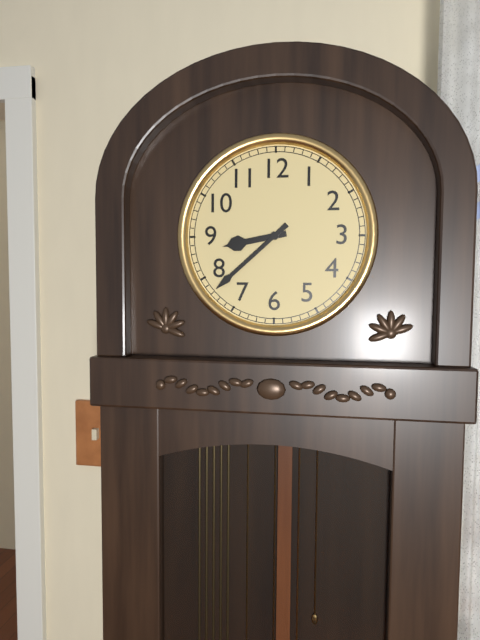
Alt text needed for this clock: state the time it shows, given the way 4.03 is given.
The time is 8.38
